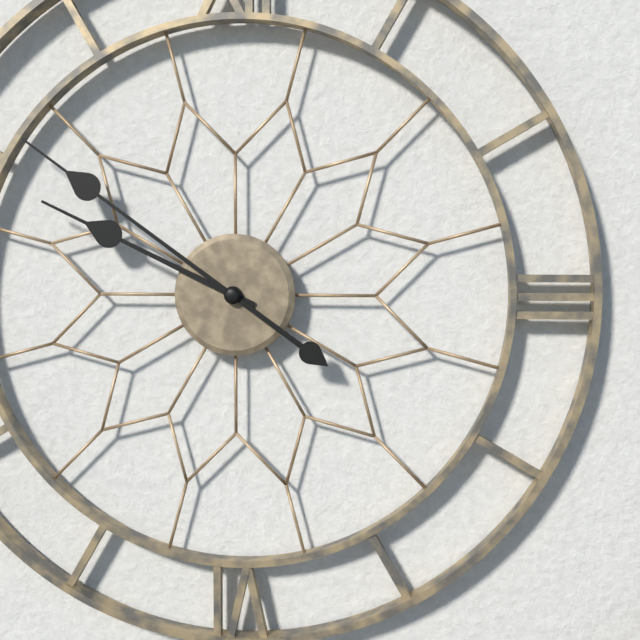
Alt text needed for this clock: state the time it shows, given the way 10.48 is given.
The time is 9.51
